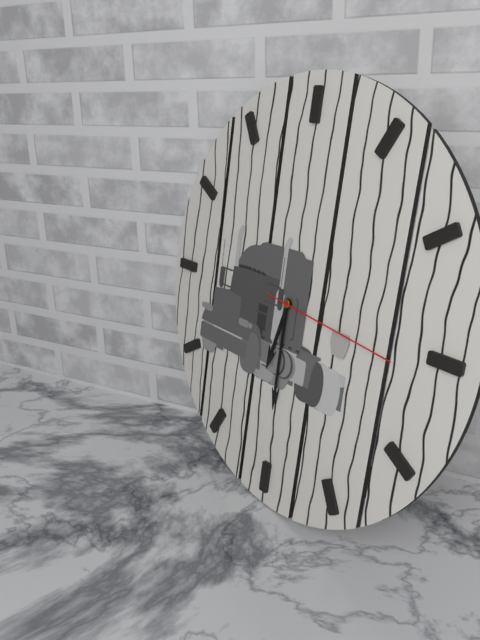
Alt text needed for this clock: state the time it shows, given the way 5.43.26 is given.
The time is 6.30.16
